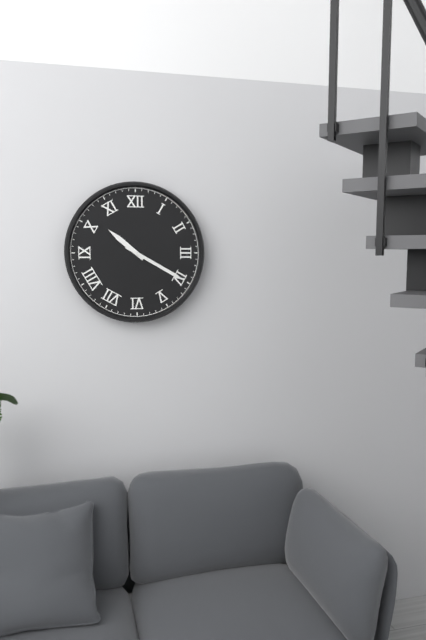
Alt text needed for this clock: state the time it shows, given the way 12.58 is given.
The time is 10.20
